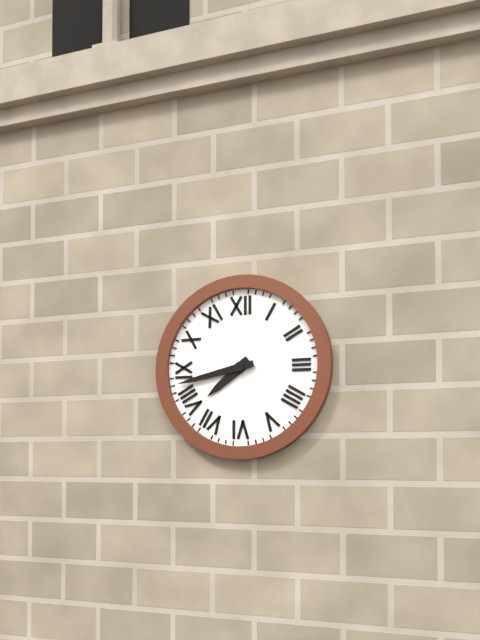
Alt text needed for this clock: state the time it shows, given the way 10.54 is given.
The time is 7.43
